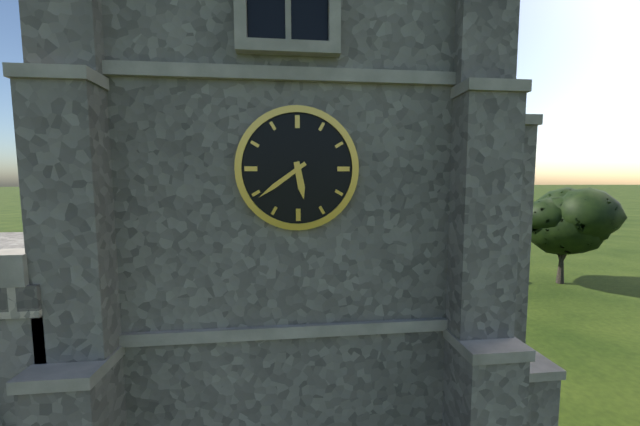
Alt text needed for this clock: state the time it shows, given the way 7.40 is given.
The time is 5.39
